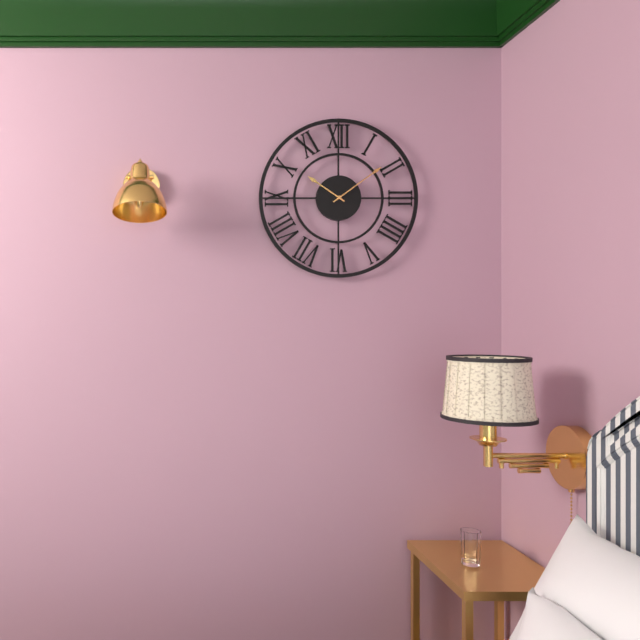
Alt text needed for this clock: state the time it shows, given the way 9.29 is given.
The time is 10.09
